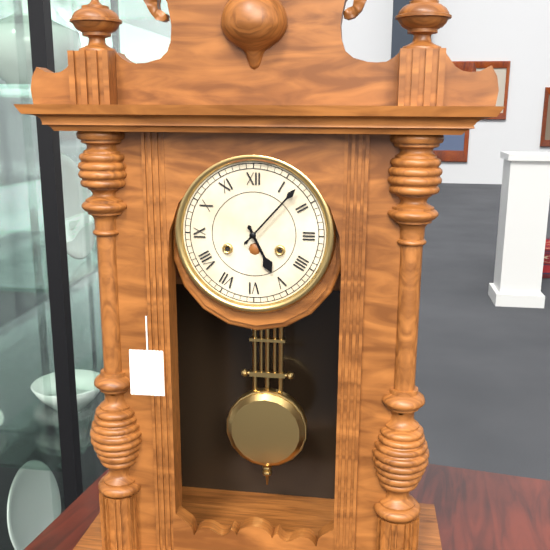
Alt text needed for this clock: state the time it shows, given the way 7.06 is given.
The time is 5.07
